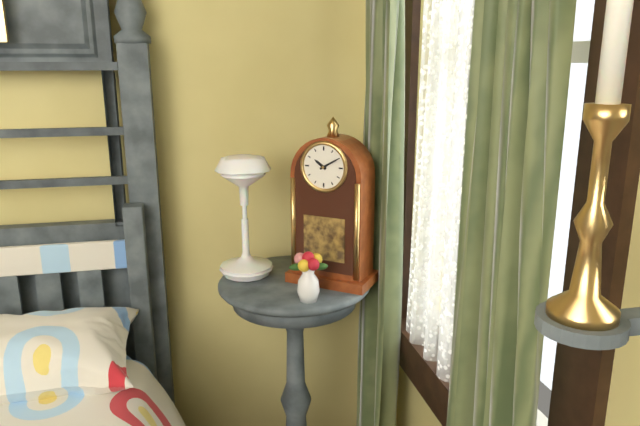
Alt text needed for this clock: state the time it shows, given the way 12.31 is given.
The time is 10.10
